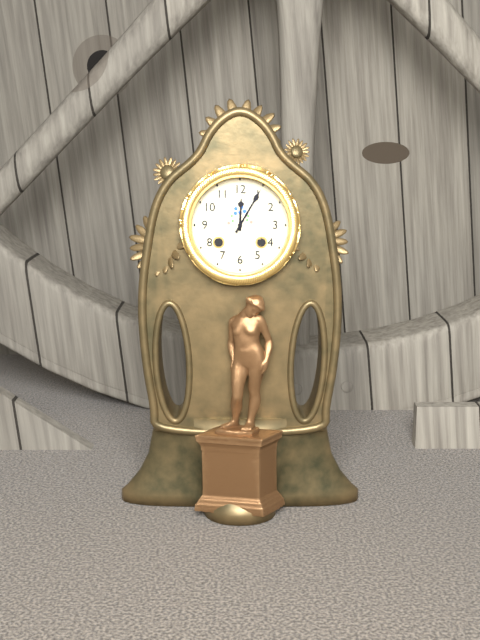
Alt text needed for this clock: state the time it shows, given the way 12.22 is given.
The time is 12.05
